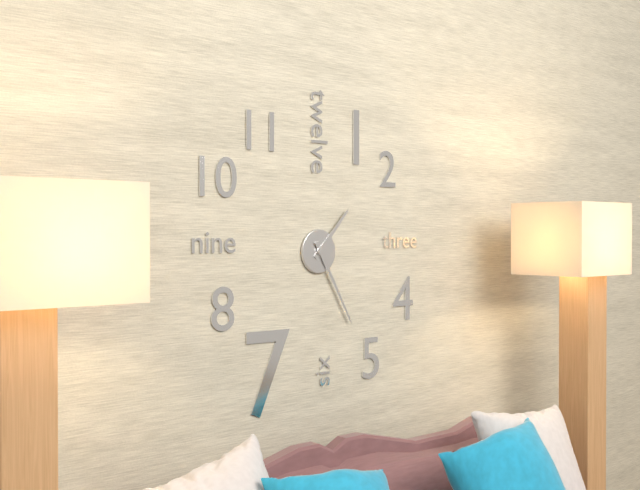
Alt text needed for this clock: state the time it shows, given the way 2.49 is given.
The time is 1.25
